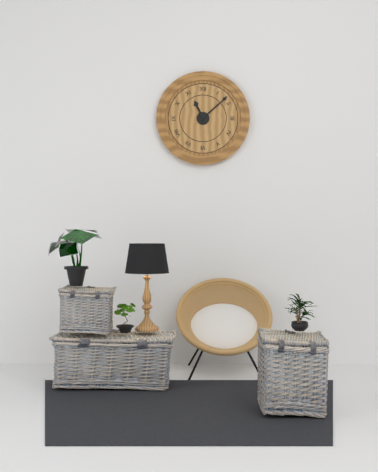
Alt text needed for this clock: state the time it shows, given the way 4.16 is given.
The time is 11.08
